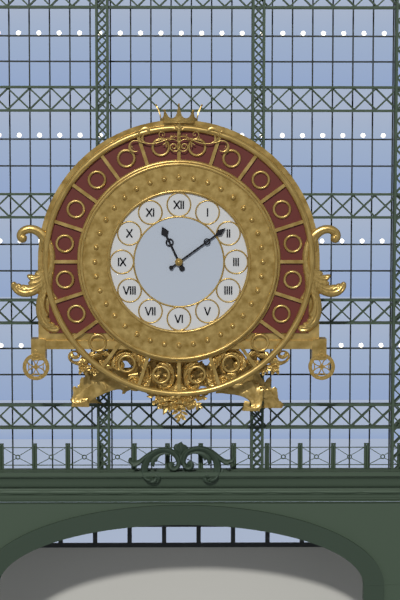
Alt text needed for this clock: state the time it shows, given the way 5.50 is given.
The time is 11.09
